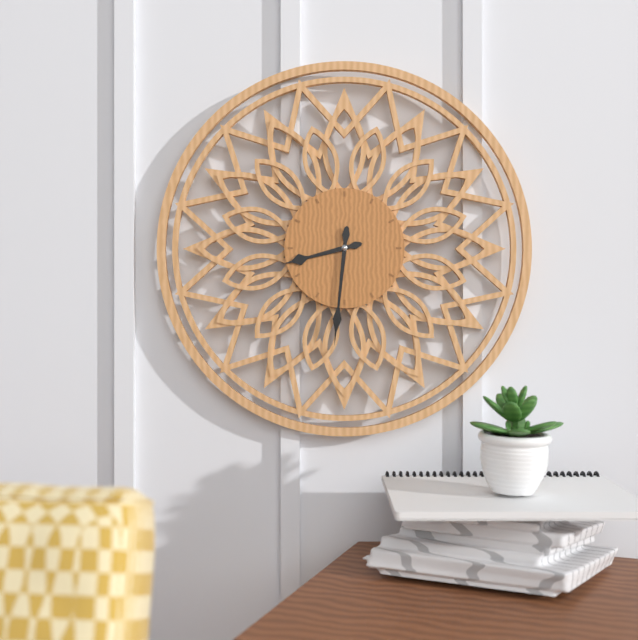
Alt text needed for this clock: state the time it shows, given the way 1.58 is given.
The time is 8.31
